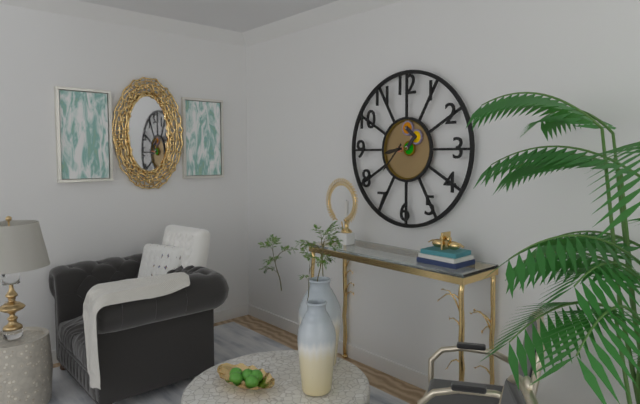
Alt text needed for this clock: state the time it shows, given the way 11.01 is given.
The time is 8.37
